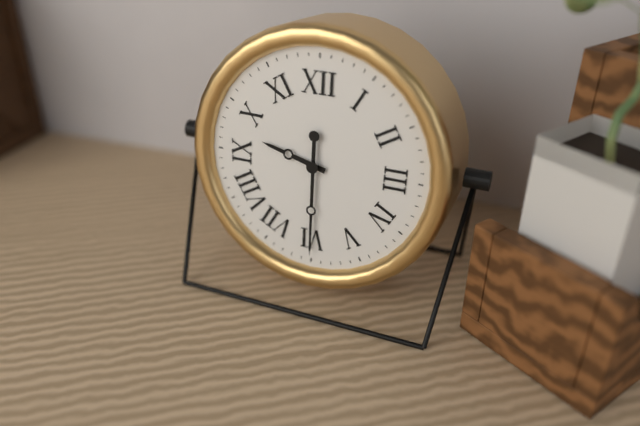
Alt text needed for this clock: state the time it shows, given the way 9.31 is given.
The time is 9.30
